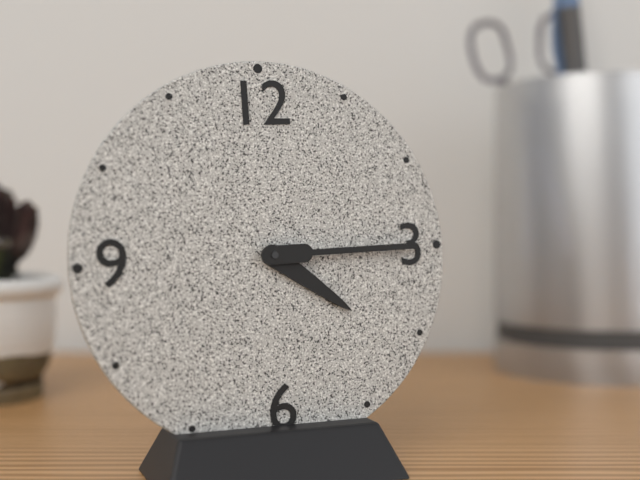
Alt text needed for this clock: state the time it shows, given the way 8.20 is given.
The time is 4.15
